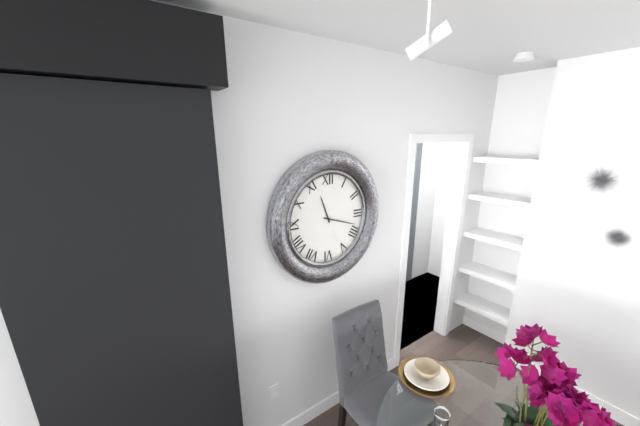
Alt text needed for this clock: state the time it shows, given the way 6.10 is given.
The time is 11.18
